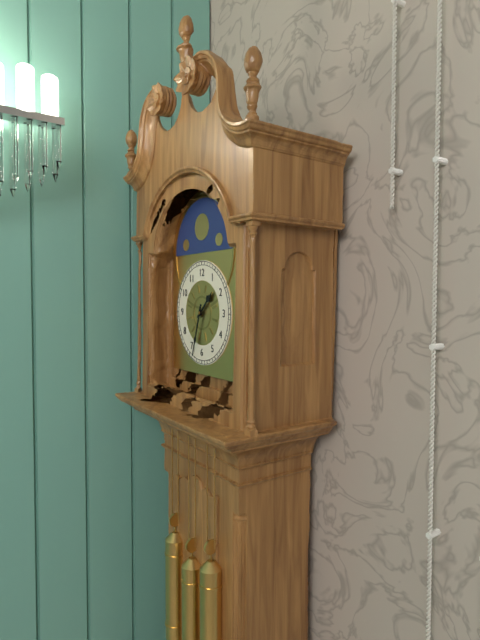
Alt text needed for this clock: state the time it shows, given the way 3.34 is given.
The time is 1.33
